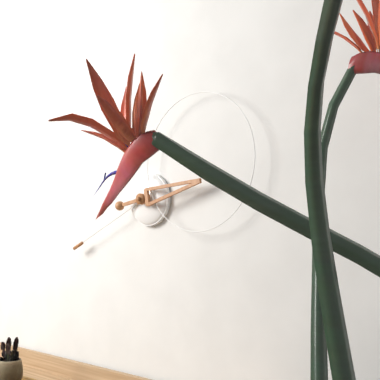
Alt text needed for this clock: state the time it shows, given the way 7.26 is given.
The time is 2.41
